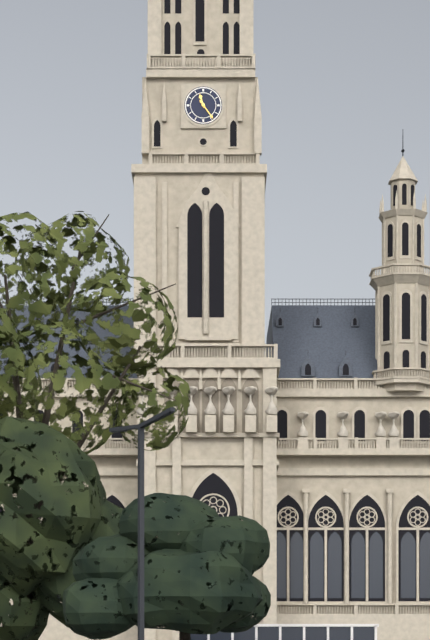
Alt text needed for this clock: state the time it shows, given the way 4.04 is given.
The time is 11.24
